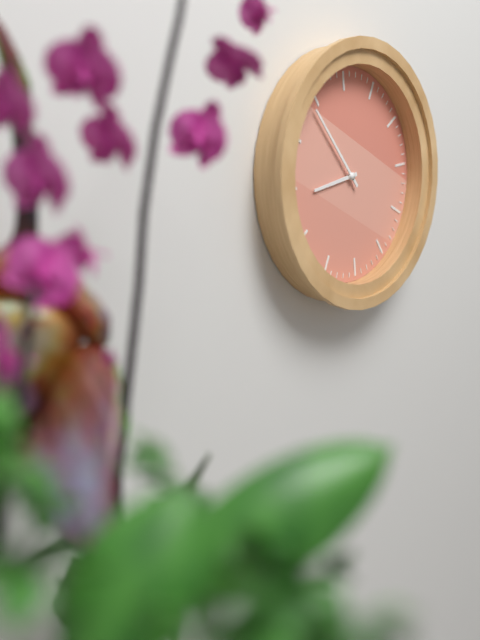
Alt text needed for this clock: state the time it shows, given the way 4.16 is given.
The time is 7.49
